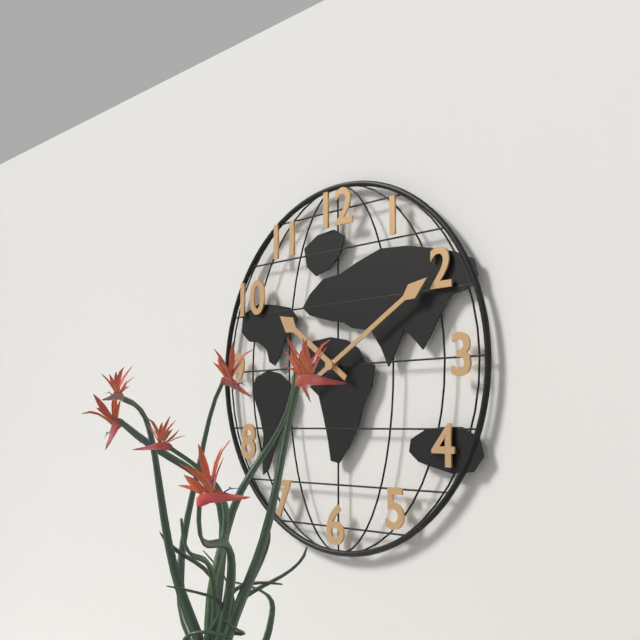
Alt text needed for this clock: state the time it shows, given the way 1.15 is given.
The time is 10.10
